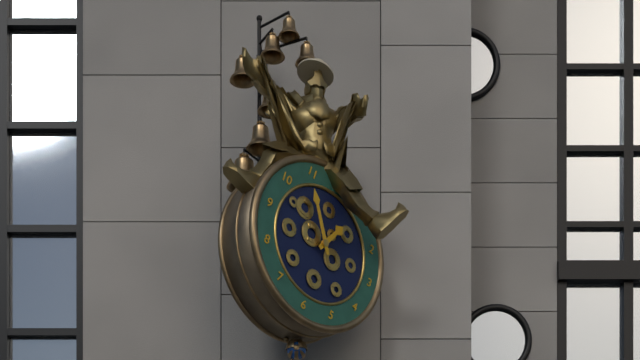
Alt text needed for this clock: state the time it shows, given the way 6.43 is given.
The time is 12.54
